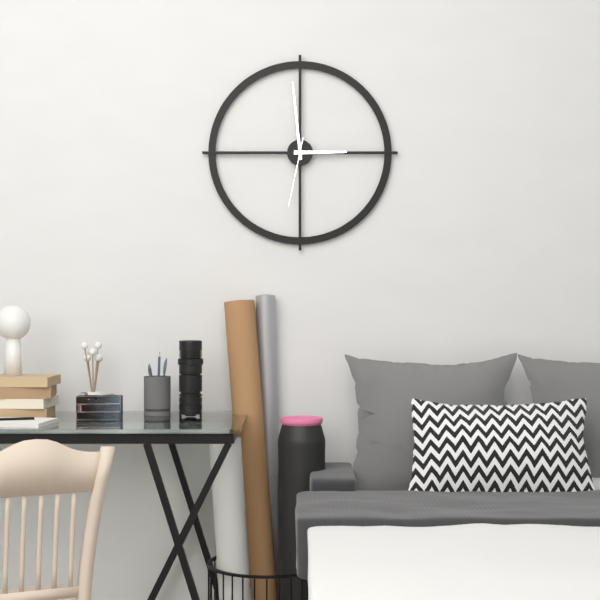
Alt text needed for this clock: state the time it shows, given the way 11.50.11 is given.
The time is 2.59.32
